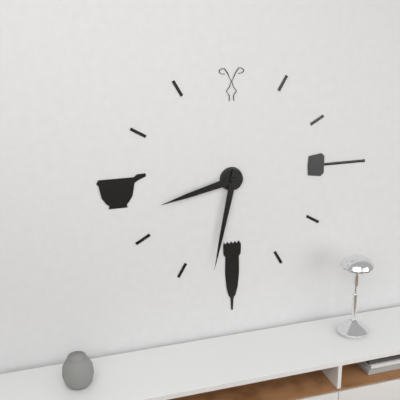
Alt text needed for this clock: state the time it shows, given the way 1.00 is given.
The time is 8.32
